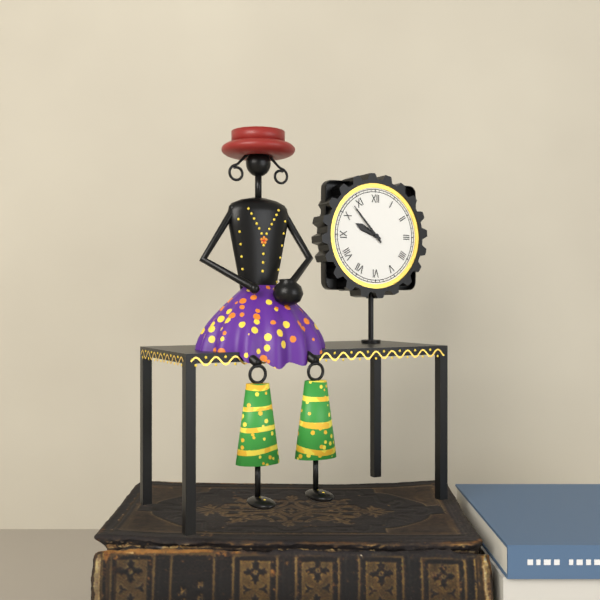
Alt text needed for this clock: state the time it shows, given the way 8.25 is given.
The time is 9.53
